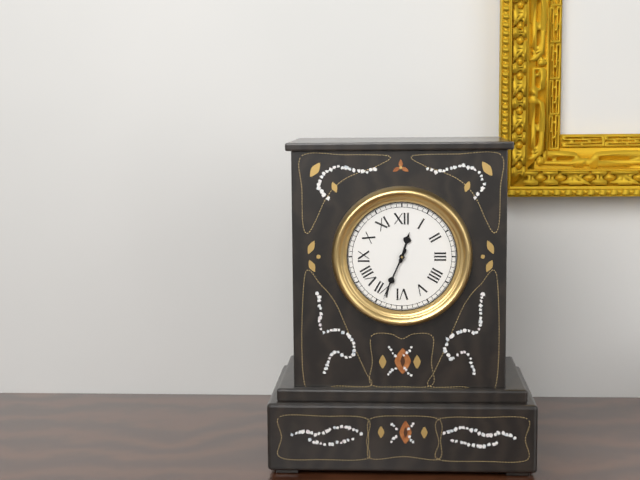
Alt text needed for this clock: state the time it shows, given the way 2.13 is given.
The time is 12.34
